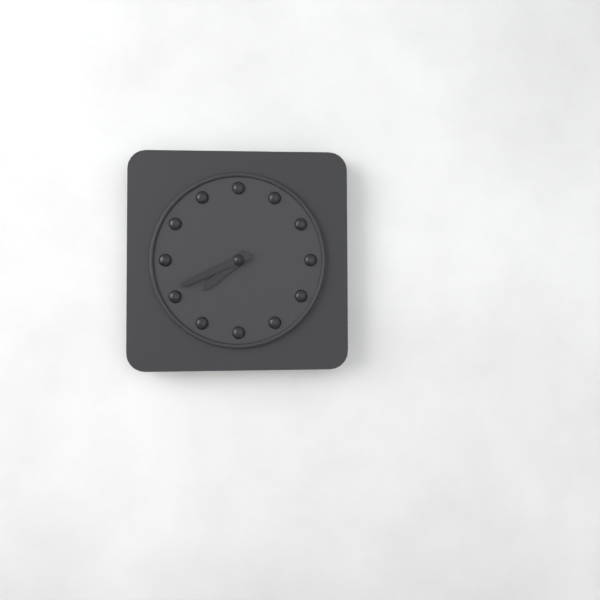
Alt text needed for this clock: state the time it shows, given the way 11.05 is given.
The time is 7.41
